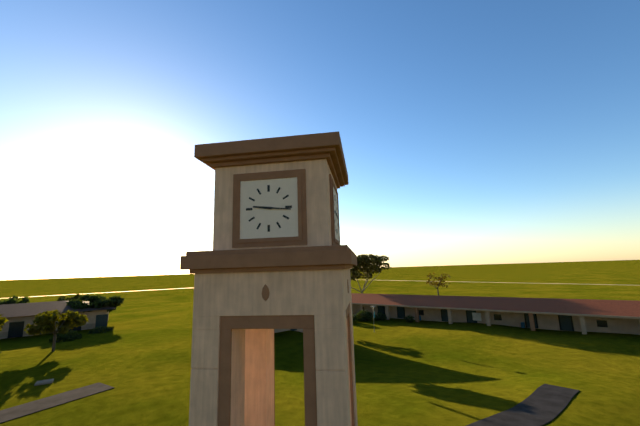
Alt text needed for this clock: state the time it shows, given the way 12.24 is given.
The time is 9.16
